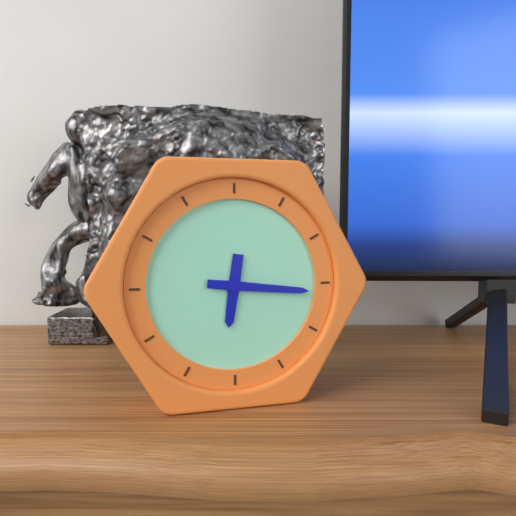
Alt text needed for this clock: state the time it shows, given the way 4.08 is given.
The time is 6.16
